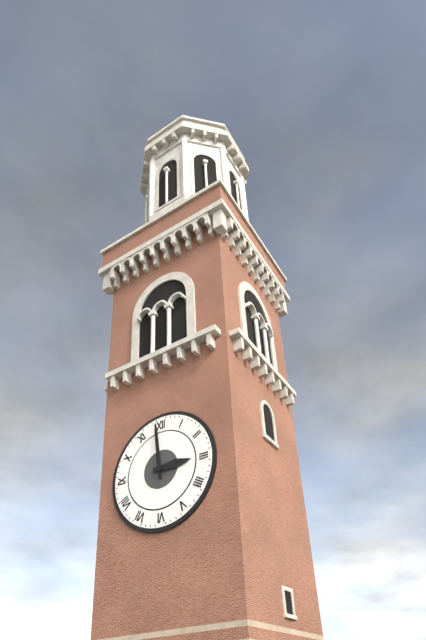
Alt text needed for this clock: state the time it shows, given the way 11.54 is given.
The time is 2.59
